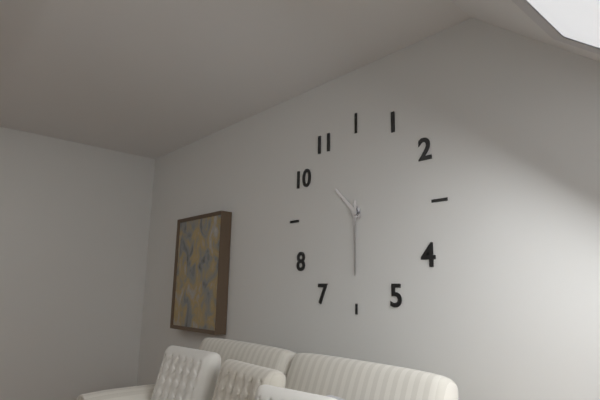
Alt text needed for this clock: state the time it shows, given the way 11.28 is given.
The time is 10.30
